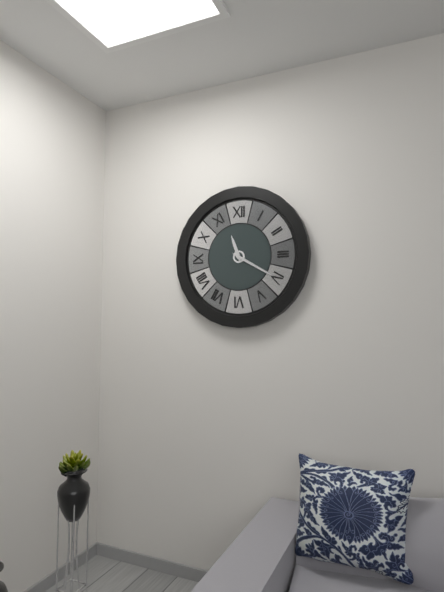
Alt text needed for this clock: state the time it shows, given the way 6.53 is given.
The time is 11.20
